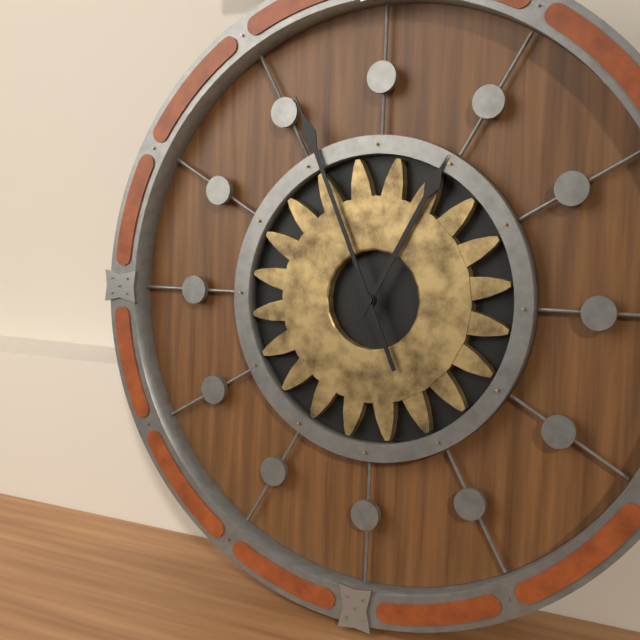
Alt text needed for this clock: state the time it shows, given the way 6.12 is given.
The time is 12.56
